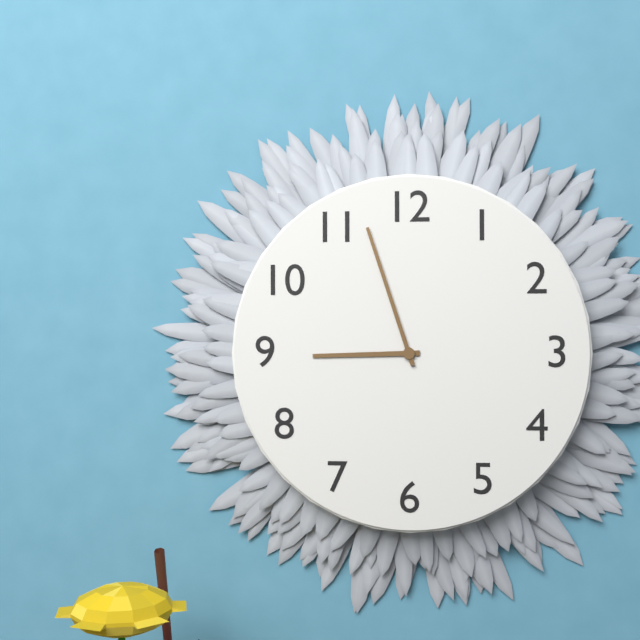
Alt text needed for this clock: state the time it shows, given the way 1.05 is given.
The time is 8.57
